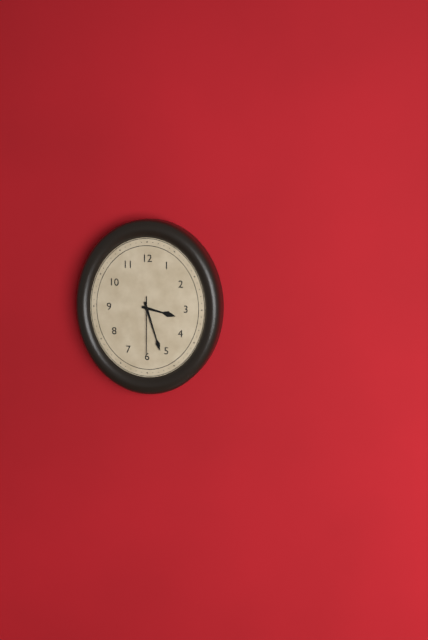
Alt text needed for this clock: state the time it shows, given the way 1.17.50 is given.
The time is 3.27.30
